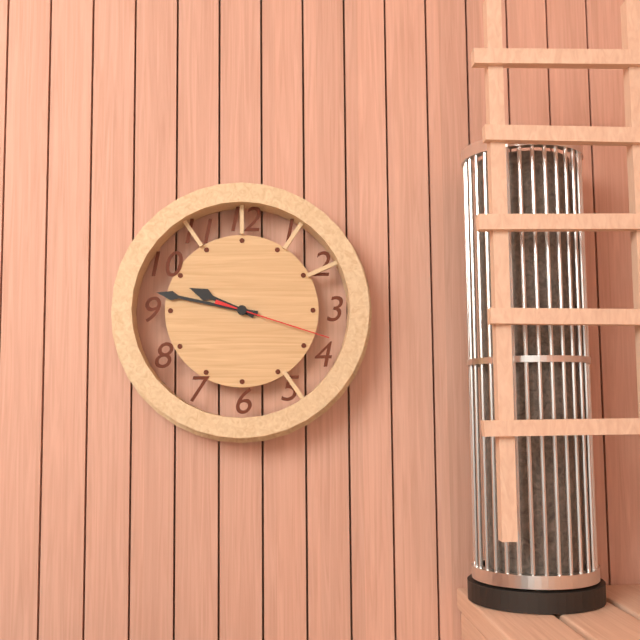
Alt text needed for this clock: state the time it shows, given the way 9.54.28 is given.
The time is 9.47.18
